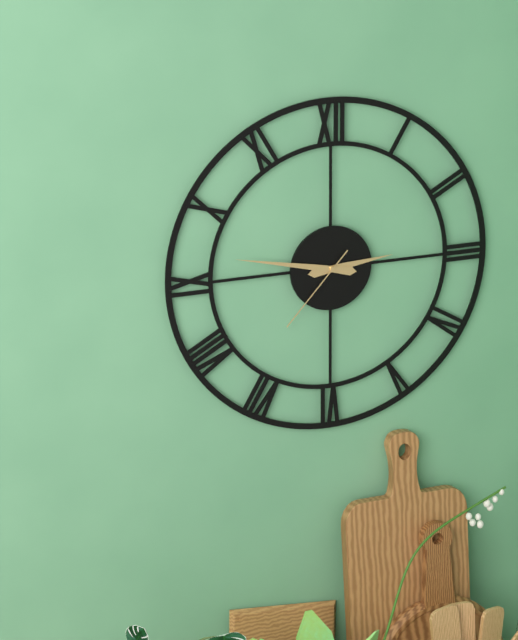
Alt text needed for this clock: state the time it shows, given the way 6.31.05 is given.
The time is 2.47.37
